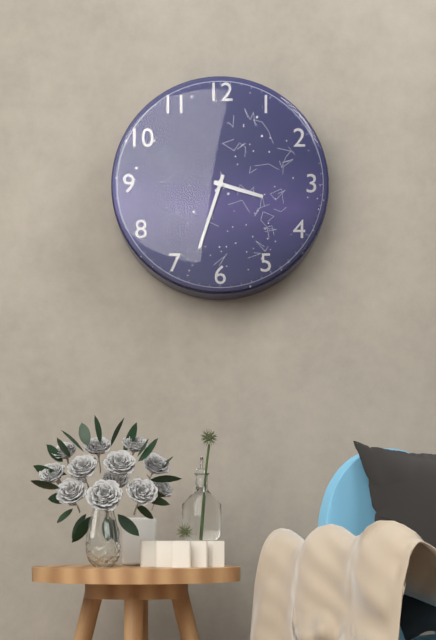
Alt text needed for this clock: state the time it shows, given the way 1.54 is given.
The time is 3.33
